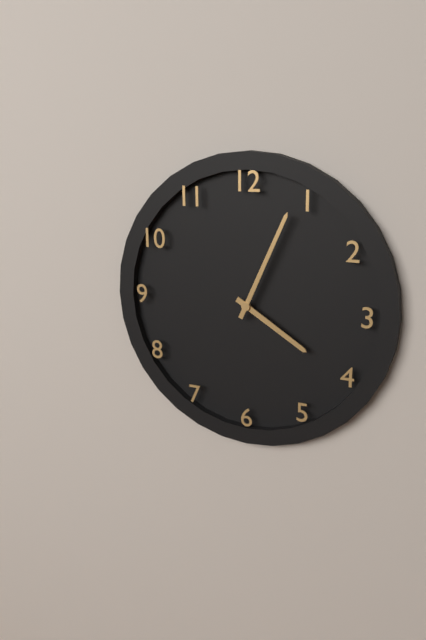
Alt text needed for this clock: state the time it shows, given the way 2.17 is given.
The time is 4.04
